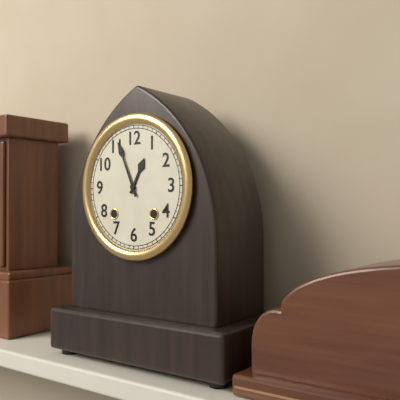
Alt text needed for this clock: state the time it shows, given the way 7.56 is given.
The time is 12.56
